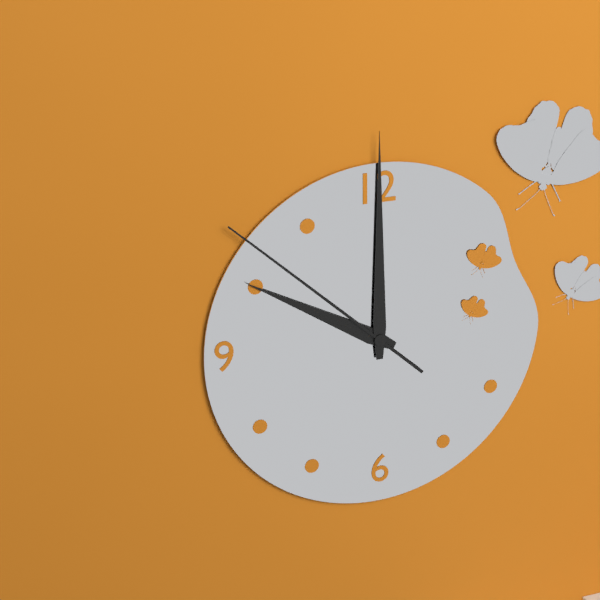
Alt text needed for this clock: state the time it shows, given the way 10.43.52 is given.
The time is 10.00.52
